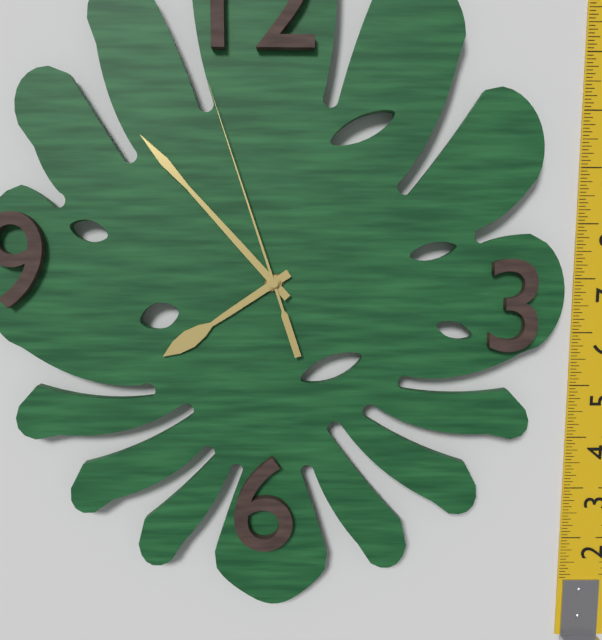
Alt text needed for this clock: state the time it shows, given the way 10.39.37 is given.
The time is 7.53.57
